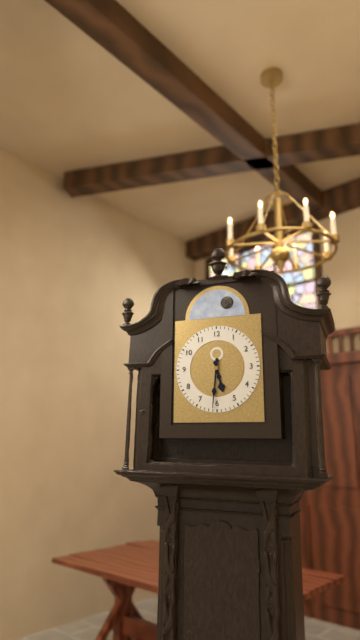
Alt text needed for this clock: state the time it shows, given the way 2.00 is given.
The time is 5.31
